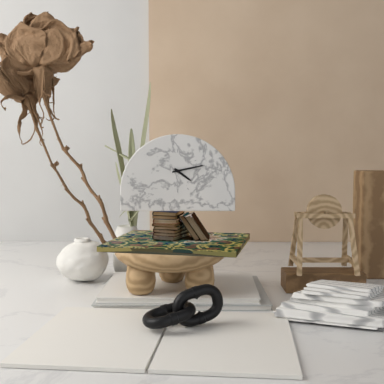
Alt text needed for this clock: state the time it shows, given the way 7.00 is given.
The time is 4.13
